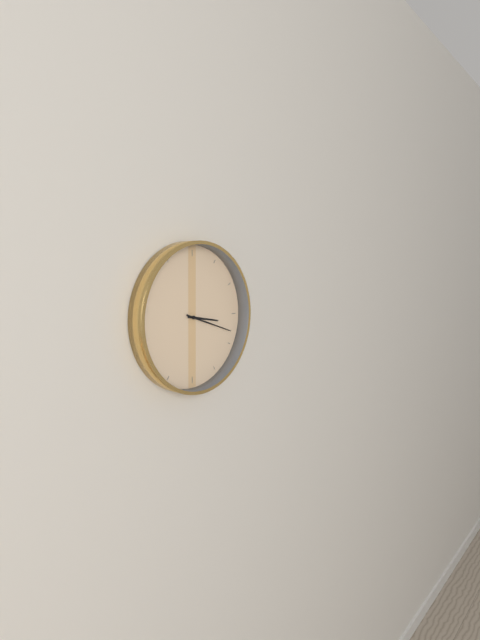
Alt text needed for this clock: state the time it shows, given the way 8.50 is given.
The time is 3.18
